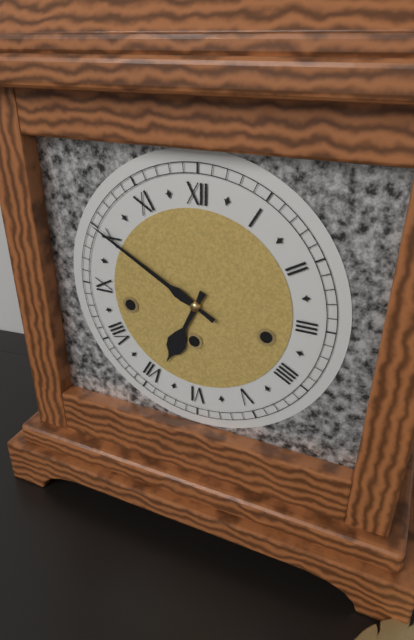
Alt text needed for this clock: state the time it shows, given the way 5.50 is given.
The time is 6.50
